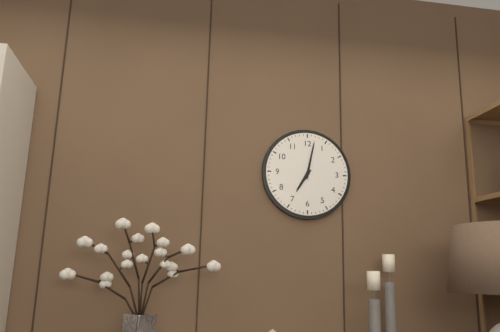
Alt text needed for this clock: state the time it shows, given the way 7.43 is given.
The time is 7.02
